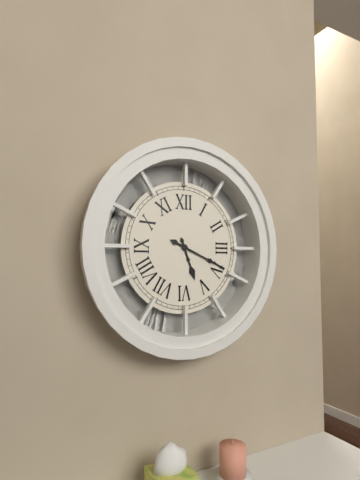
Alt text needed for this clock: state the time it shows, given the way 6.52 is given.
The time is 5.19
